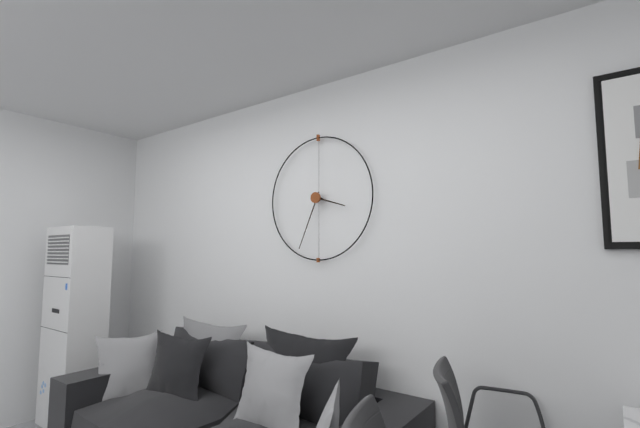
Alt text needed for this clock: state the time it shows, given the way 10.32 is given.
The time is 3.34
